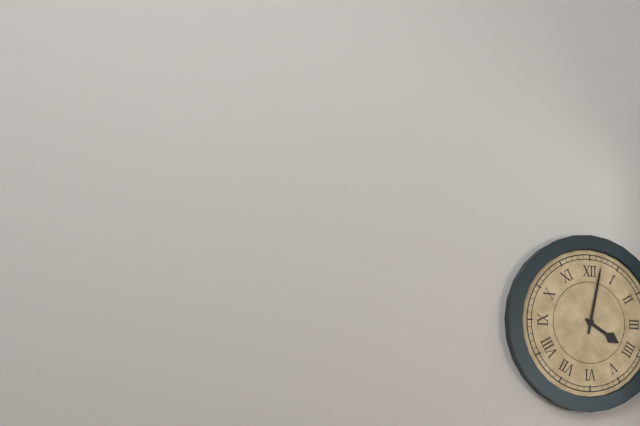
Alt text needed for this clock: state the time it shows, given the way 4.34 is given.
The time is 4.02
